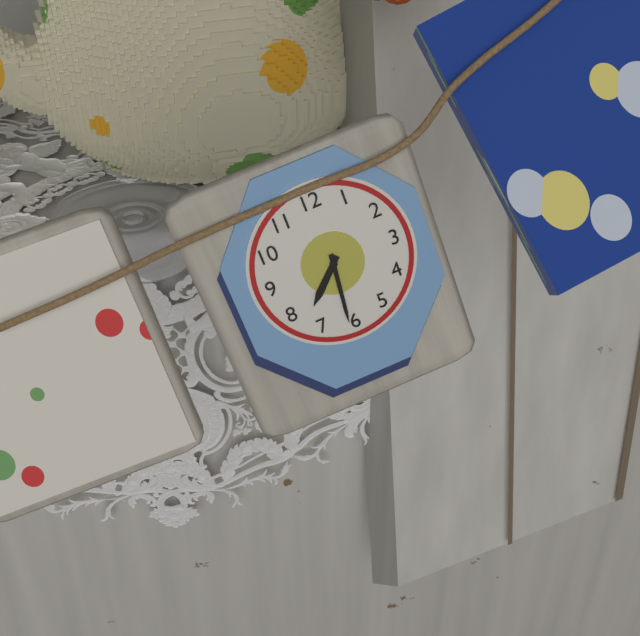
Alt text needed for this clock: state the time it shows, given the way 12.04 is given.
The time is 7.31
